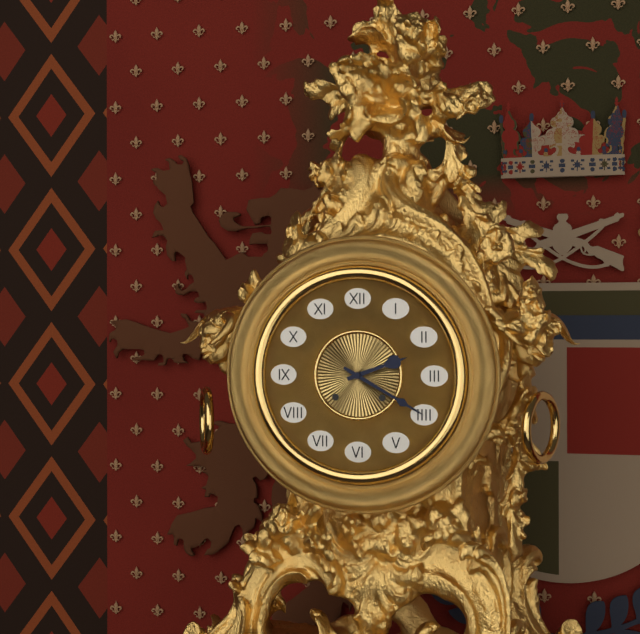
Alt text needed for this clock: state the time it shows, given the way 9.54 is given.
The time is 2.20
